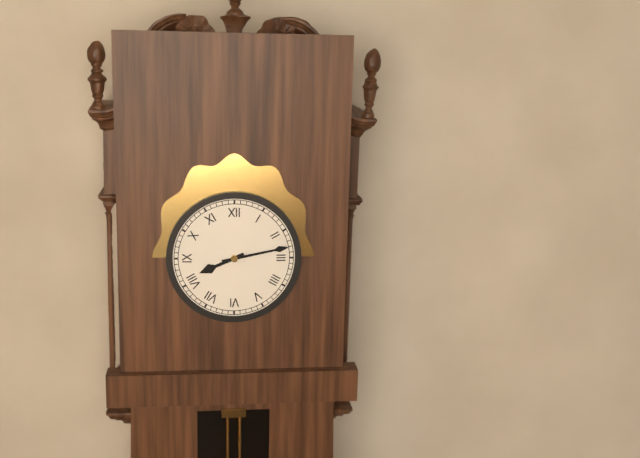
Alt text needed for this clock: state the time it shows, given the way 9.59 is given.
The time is 8.13
